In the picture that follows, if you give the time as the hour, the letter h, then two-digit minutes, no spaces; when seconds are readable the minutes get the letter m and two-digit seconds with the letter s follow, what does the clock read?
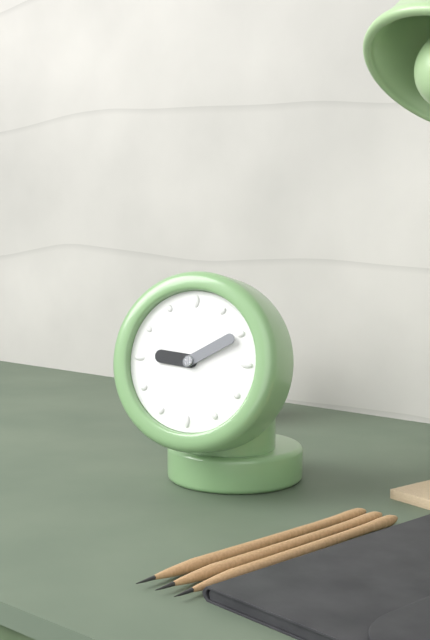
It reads 9h10
